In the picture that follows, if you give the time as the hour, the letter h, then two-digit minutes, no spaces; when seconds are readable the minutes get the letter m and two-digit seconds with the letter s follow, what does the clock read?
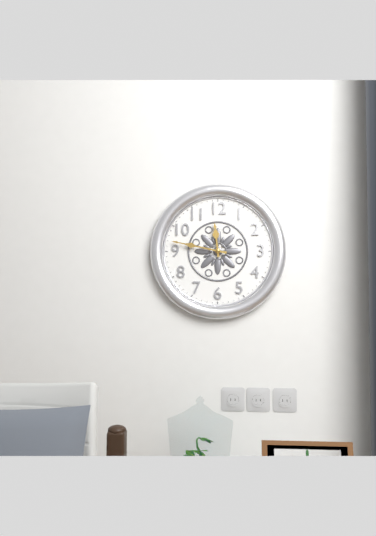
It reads 11h47
